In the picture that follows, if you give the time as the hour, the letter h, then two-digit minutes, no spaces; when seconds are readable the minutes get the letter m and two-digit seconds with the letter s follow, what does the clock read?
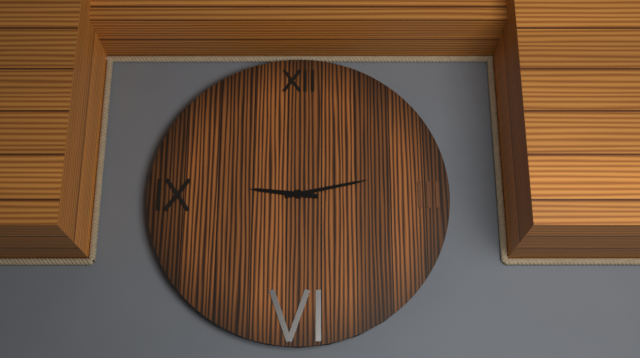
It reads 9h13
